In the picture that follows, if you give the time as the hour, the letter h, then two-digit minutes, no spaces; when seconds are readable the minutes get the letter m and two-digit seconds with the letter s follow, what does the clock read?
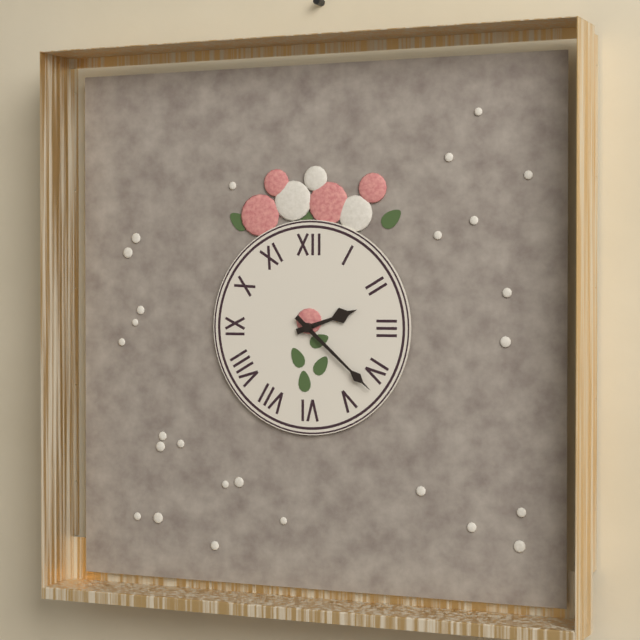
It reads 2h22
